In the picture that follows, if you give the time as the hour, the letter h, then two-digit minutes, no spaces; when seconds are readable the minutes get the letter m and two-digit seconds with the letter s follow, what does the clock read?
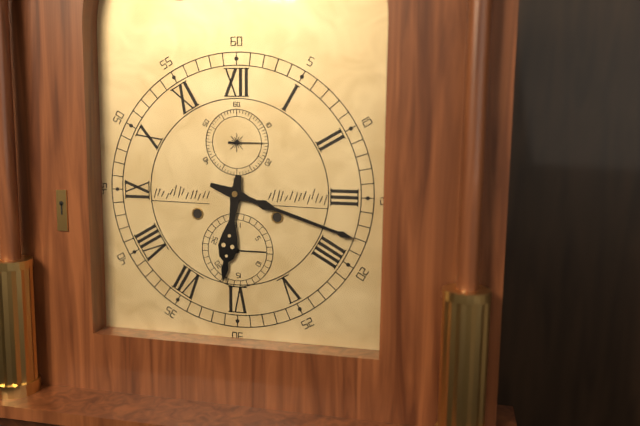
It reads 6h18
